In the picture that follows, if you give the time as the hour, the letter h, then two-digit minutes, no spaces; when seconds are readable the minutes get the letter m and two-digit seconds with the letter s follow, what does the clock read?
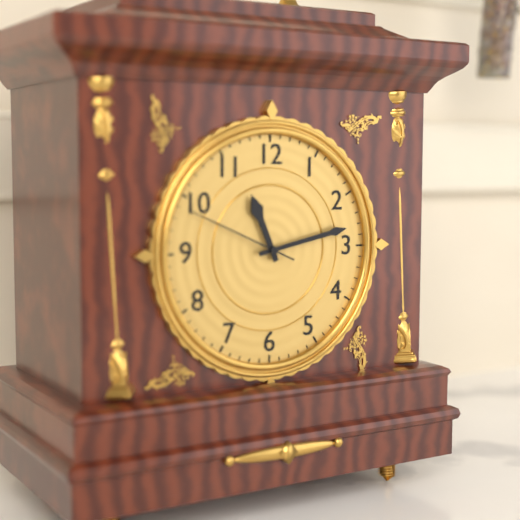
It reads 11h13m49s
